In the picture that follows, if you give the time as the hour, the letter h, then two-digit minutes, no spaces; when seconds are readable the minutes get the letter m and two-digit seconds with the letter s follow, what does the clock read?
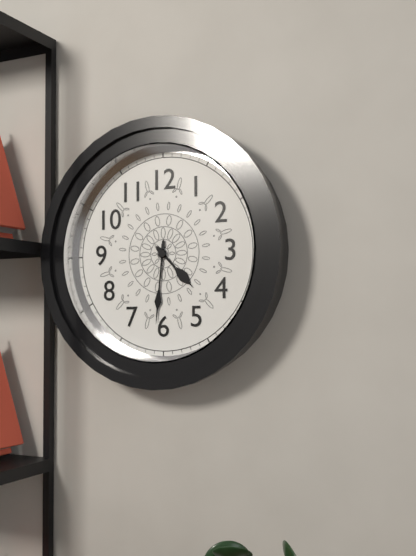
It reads 4h31
